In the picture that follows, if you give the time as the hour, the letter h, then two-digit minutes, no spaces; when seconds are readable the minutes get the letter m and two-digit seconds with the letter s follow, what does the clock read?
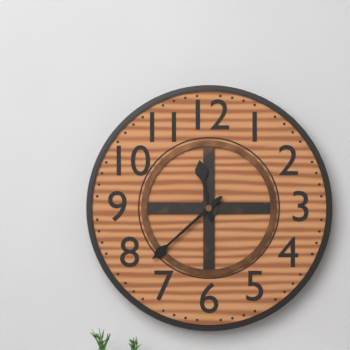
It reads 11h38
